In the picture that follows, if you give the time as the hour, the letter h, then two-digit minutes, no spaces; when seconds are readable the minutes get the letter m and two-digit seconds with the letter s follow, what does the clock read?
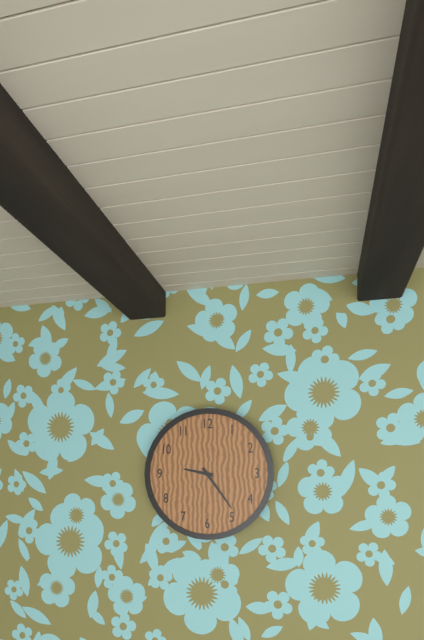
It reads 9h24
